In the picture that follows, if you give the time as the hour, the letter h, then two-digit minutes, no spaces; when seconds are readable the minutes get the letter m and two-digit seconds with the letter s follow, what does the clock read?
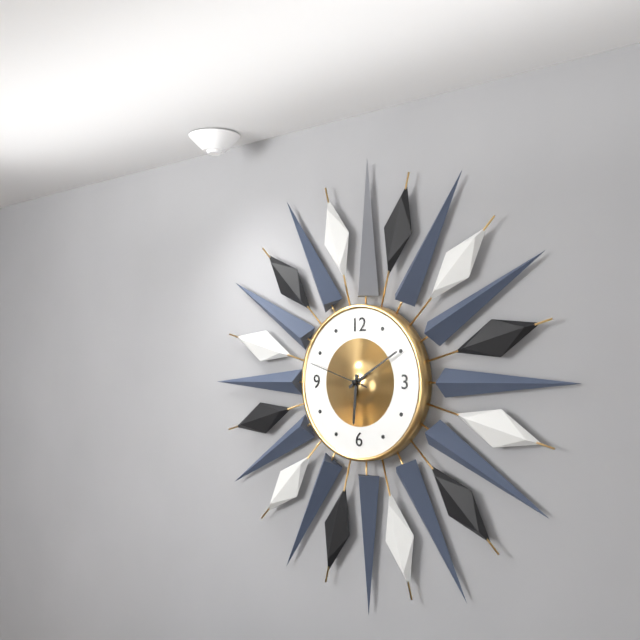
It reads 6h10m48s
